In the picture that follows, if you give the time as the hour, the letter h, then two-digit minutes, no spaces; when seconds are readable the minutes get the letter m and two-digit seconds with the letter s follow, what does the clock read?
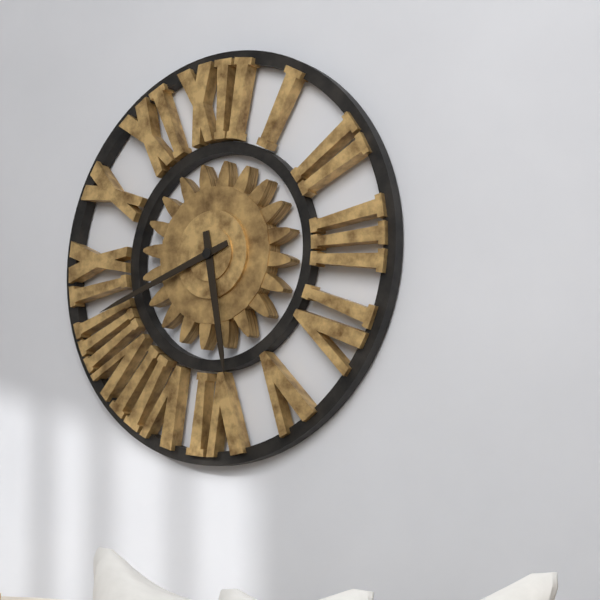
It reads 5h42
